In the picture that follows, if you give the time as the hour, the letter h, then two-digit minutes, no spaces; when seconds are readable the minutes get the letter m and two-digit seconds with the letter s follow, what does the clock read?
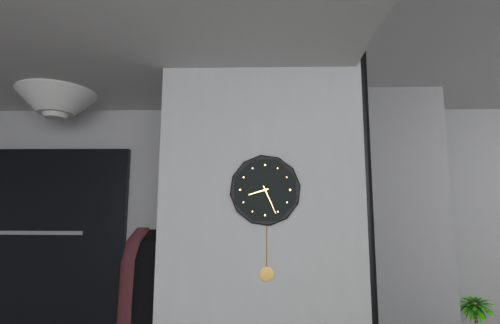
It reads 8h26
